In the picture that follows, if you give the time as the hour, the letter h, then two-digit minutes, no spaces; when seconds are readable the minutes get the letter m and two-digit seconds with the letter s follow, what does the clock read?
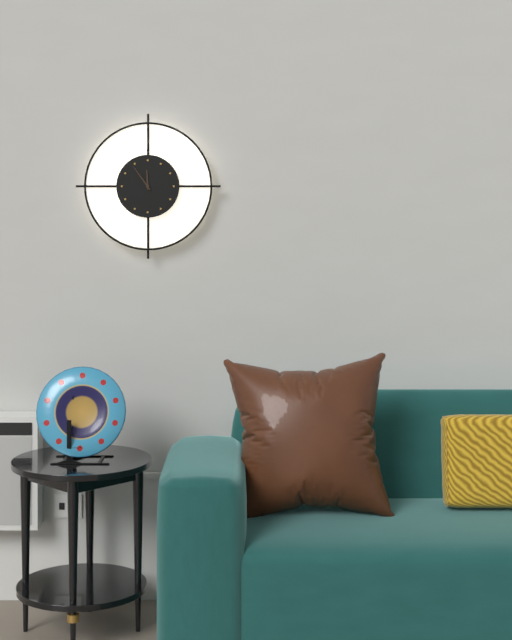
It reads 11h54
